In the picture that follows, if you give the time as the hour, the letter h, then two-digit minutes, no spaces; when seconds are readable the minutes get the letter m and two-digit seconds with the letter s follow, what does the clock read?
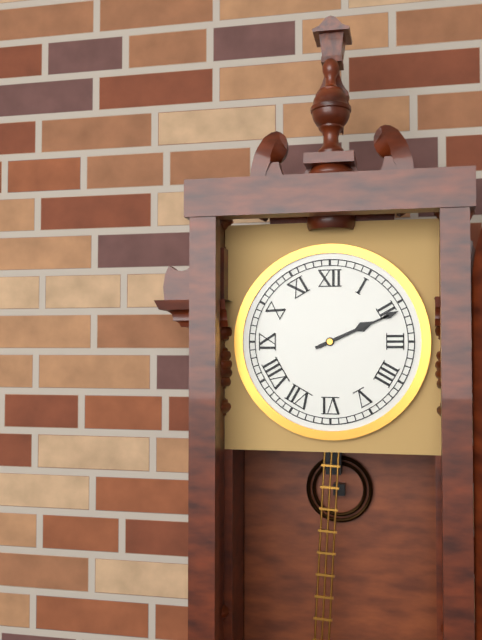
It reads 2h11
